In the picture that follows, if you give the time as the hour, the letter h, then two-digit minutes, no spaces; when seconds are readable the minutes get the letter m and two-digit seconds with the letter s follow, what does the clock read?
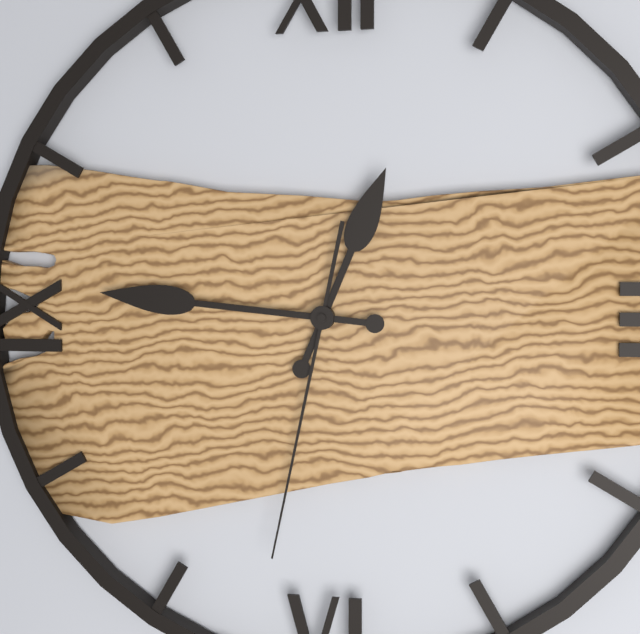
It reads 12h46m32s
